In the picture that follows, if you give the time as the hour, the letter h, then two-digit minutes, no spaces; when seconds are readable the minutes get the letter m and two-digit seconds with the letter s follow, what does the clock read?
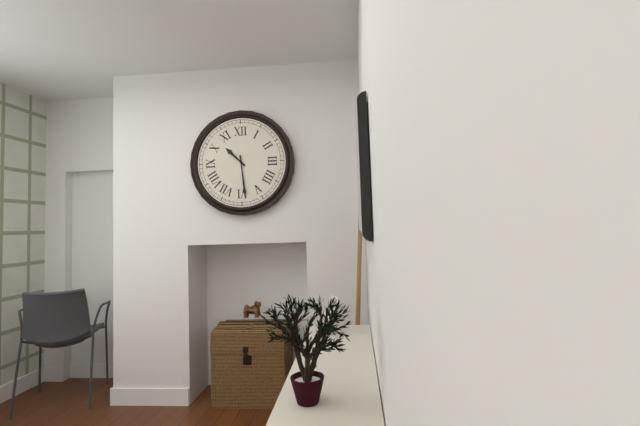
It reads 10h29
